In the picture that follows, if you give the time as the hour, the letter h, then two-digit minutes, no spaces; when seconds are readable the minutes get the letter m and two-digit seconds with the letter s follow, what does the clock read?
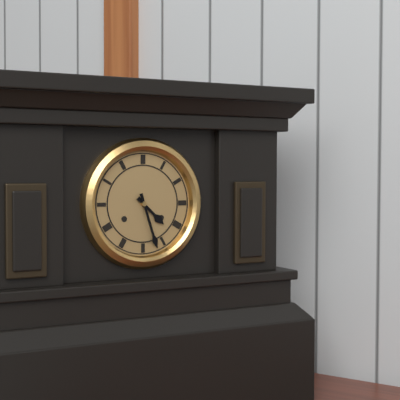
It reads 4h27
